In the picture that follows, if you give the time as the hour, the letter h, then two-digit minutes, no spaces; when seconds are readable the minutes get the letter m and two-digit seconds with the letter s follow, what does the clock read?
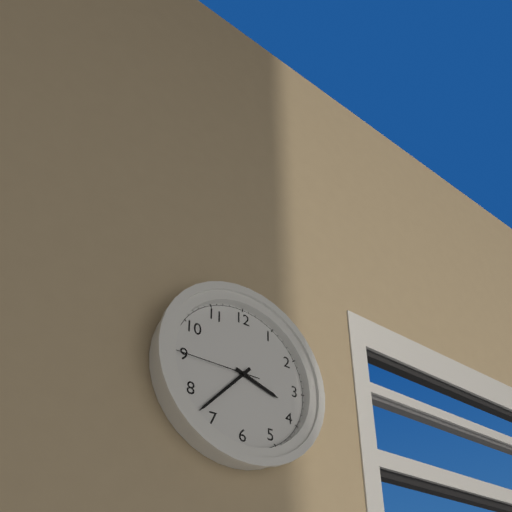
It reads 3h37m45s
